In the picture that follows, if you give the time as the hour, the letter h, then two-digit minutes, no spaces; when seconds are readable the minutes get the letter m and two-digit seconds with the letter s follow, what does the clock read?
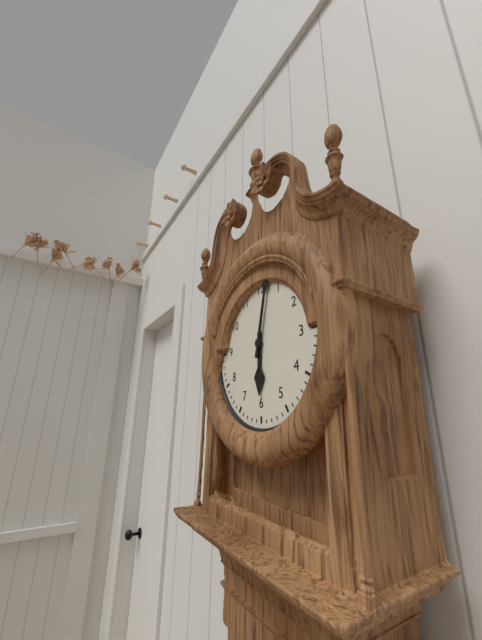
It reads 6h02
